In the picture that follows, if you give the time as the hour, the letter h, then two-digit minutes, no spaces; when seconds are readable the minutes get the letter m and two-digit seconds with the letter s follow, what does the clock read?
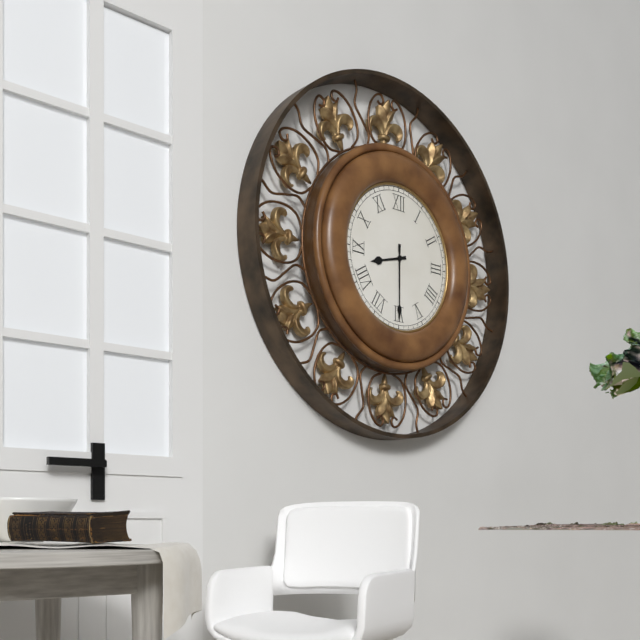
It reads 8h30
